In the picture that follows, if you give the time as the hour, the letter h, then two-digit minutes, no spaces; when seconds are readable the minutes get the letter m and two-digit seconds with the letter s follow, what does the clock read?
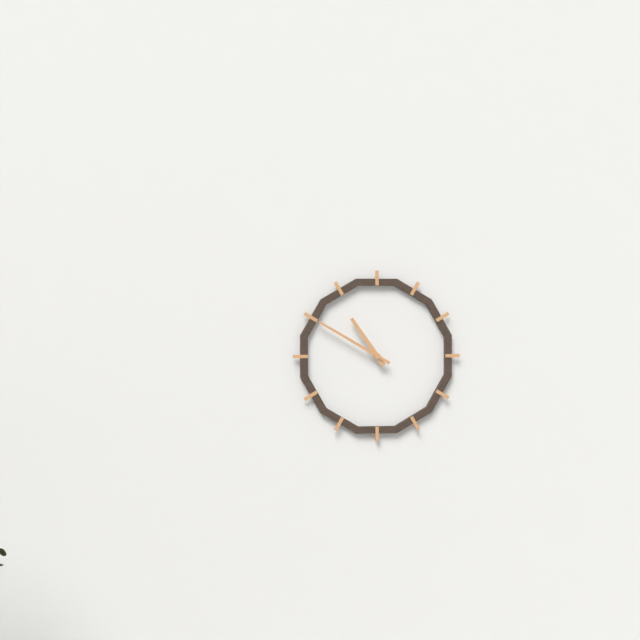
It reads 10h50
